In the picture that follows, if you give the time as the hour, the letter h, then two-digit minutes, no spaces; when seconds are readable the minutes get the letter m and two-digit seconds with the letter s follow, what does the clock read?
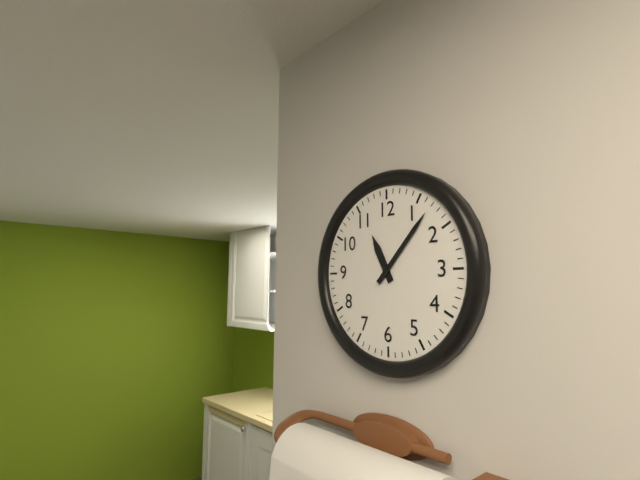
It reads 11h07
